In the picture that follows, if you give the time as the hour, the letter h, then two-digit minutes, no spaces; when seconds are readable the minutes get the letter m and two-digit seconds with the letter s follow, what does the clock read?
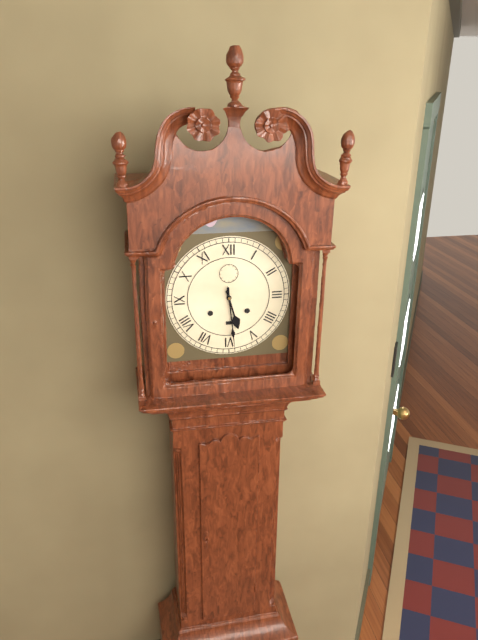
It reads 5h29
